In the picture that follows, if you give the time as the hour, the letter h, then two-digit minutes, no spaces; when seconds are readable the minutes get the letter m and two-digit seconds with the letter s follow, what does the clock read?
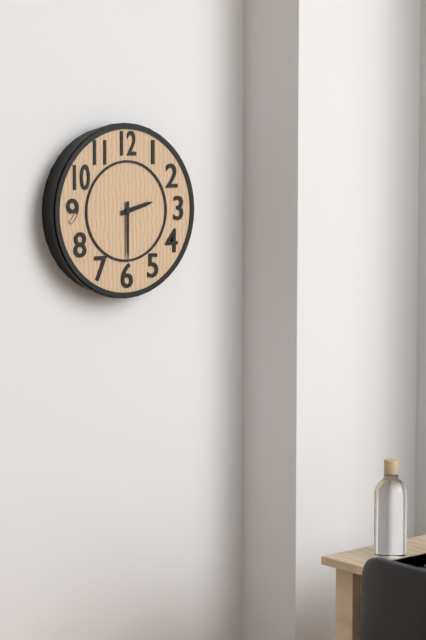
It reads 2h30
